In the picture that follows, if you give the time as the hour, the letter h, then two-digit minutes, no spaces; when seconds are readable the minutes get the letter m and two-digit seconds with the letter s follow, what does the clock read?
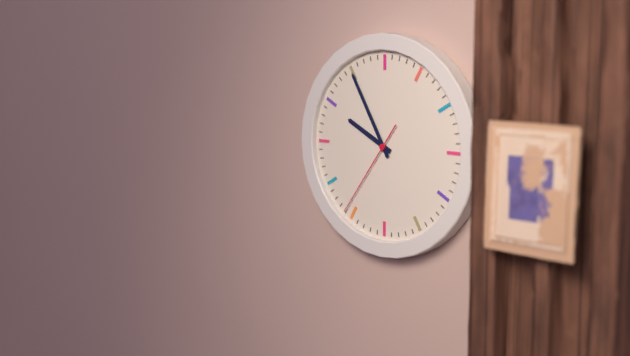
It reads 9h55m36s
